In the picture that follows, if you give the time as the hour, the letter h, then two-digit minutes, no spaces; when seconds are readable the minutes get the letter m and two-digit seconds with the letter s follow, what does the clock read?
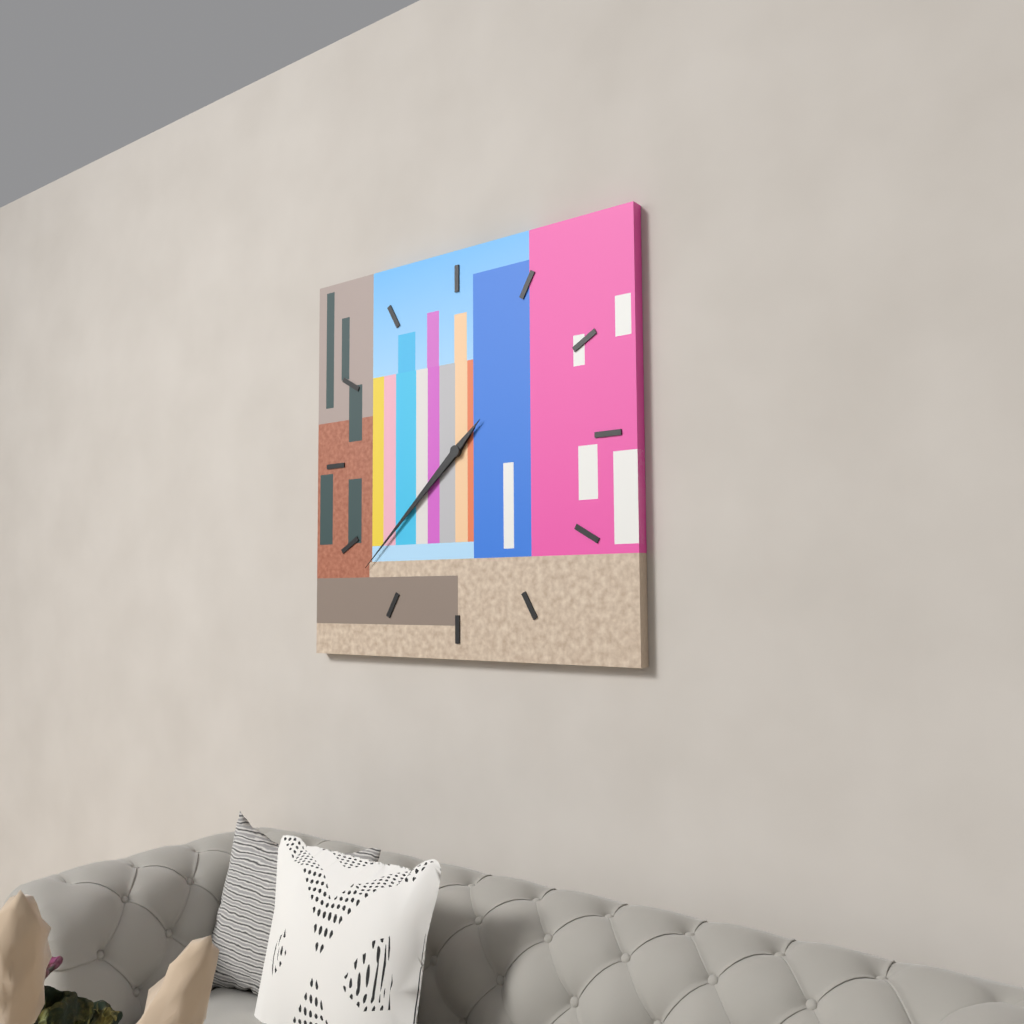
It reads 7h38
